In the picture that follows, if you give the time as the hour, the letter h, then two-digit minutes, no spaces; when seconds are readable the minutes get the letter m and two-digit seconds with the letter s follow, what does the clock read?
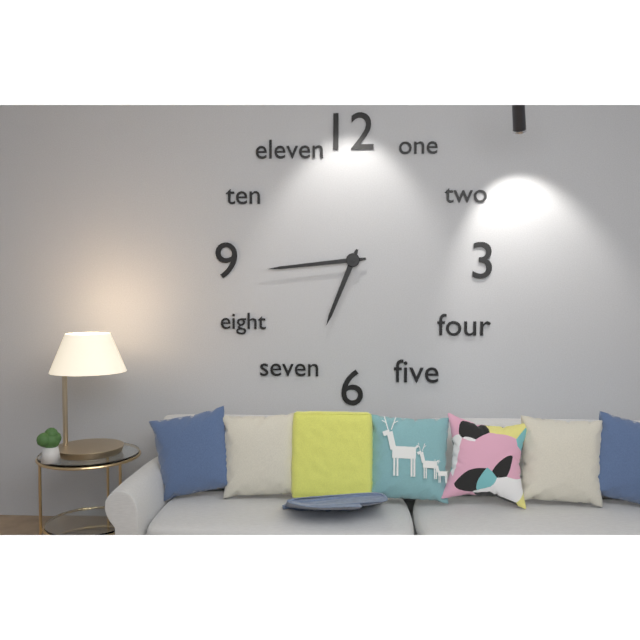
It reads 6h44
